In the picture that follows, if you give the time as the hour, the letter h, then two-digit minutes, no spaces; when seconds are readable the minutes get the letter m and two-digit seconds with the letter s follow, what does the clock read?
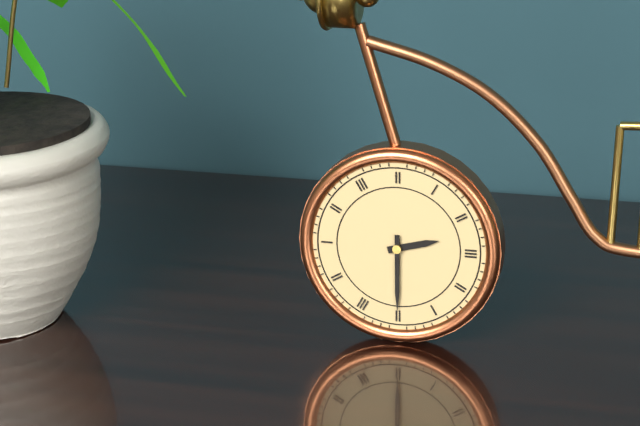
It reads 2h30
